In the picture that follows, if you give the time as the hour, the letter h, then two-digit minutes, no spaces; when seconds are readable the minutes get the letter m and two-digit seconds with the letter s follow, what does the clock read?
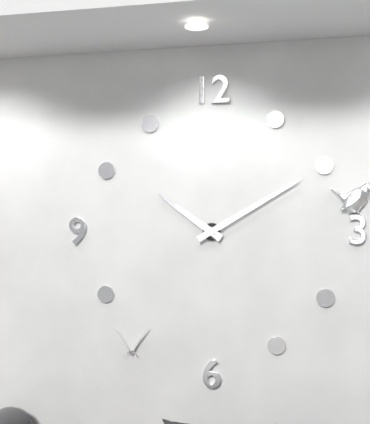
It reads 10h10
